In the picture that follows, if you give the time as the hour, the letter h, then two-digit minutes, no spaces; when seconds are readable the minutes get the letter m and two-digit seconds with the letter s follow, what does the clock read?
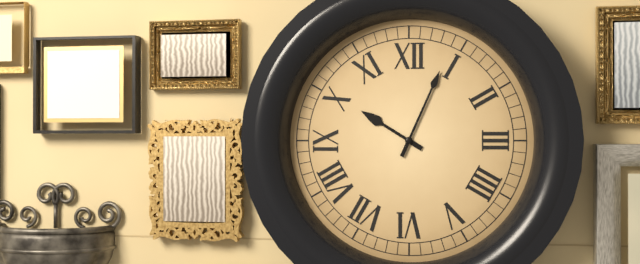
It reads 10h04
